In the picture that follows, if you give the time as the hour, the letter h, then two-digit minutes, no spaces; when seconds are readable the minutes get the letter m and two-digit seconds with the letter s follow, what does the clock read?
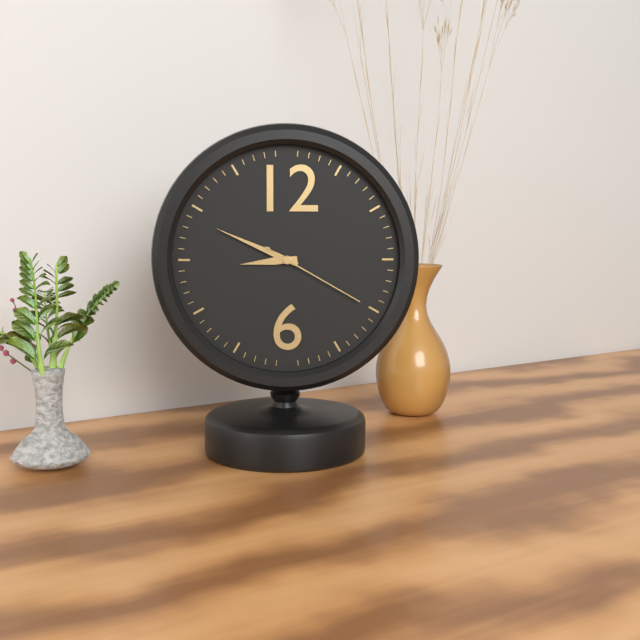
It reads 8h49m20s
